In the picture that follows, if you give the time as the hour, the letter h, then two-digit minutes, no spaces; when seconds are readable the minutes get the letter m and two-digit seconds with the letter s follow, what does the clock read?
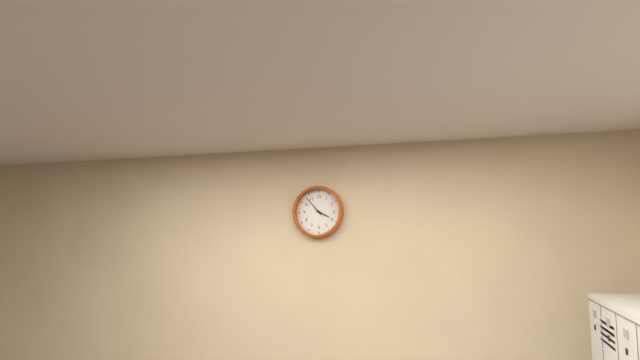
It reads 3h53
